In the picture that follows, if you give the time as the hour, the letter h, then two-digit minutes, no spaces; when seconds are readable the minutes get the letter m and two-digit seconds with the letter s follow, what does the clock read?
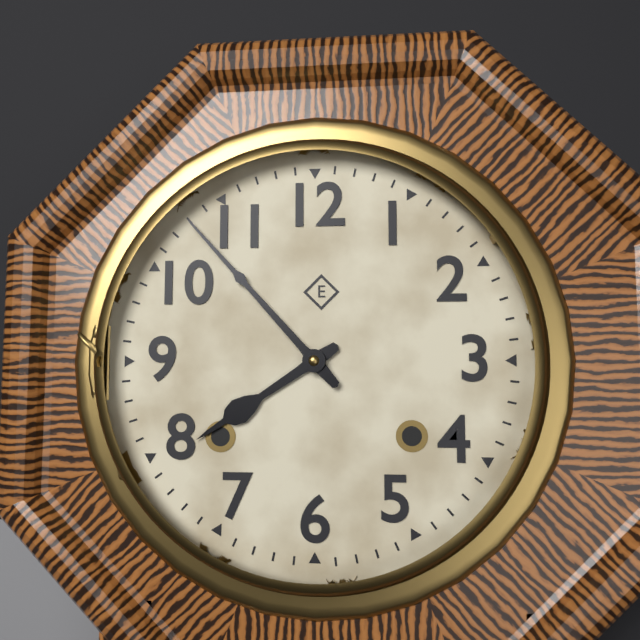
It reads 7h53
